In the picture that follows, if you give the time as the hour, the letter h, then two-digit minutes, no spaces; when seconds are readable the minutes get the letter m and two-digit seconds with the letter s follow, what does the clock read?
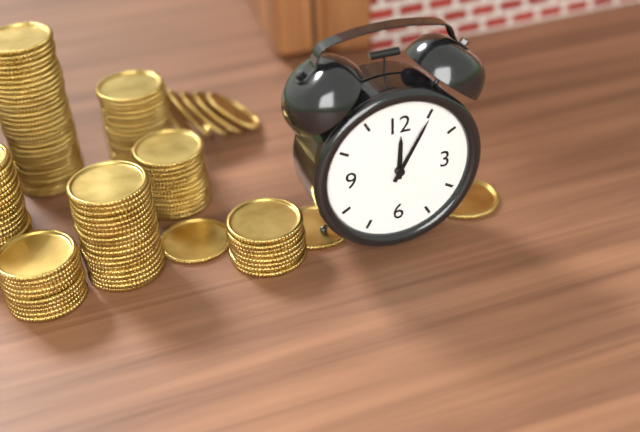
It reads 12h05
